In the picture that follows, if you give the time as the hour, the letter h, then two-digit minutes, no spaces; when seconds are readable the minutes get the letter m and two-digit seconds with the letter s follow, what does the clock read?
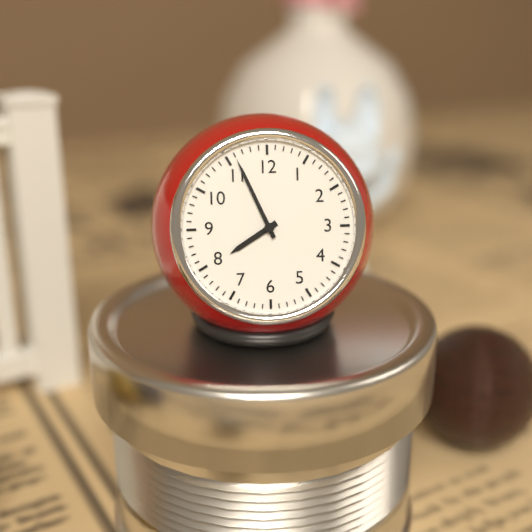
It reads 7h56
